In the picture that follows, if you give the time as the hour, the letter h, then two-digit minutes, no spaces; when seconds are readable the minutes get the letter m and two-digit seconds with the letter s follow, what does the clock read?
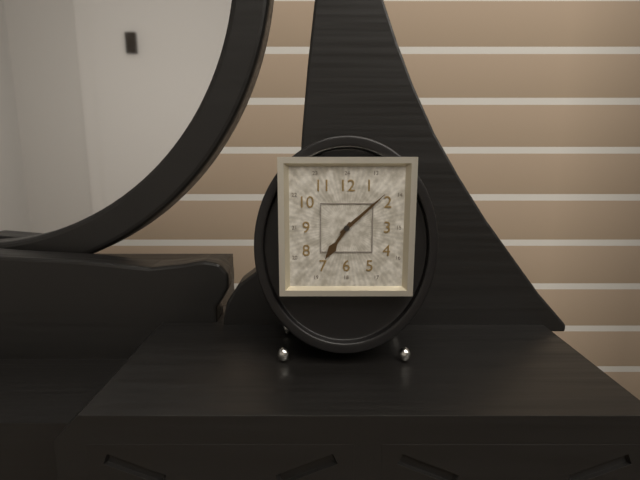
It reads 7h08
